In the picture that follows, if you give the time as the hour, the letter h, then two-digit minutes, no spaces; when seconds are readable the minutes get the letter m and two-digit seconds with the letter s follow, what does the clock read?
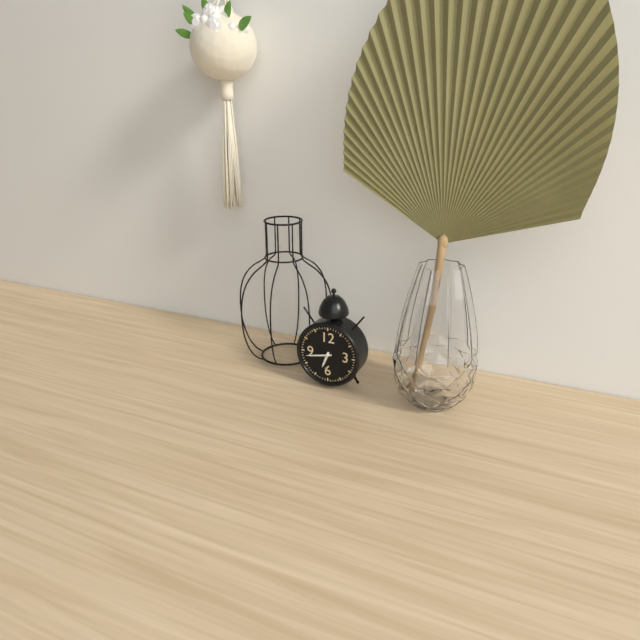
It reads 6h43
